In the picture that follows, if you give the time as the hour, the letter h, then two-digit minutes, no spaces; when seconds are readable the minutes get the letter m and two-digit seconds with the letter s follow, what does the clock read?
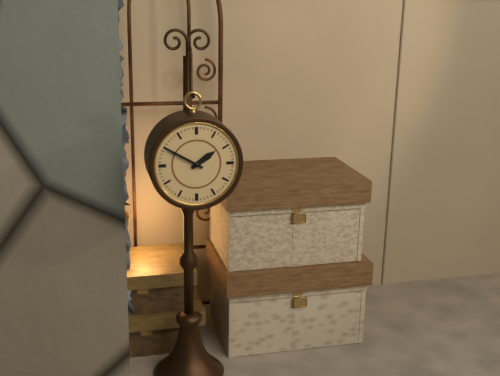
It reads 1h50
